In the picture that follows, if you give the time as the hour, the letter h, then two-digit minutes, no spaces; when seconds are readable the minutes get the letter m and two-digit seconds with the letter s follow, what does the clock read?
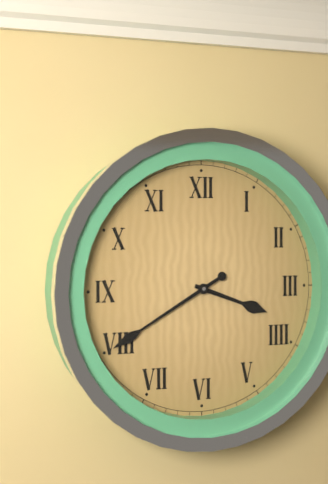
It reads 3h40
